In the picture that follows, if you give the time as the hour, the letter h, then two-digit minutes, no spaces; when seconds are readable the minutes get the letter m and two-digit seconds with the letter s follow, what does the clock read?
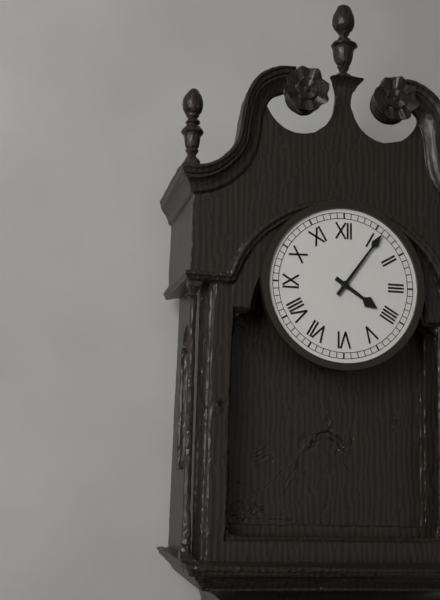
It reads 4h06
